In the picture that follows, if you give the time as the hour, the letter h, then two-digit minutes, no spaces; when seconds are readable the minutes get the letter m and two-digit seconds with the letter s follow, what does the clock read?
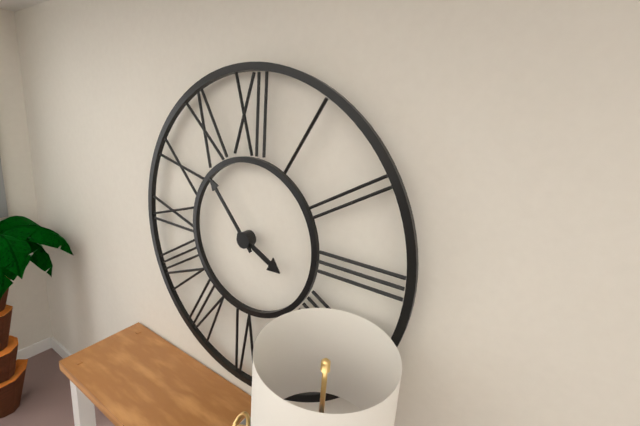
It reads 3h53
